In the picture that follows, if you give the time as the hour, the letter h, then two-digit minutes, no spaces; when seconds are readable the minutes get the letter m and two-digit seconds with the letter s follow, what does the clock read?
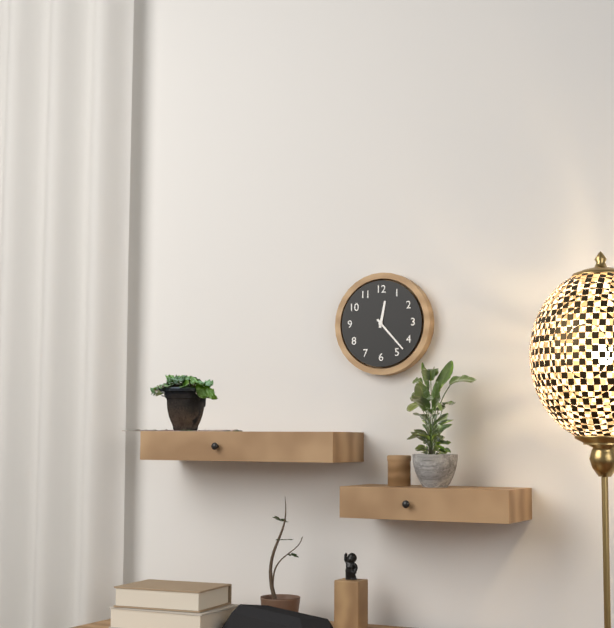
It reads 12h23
